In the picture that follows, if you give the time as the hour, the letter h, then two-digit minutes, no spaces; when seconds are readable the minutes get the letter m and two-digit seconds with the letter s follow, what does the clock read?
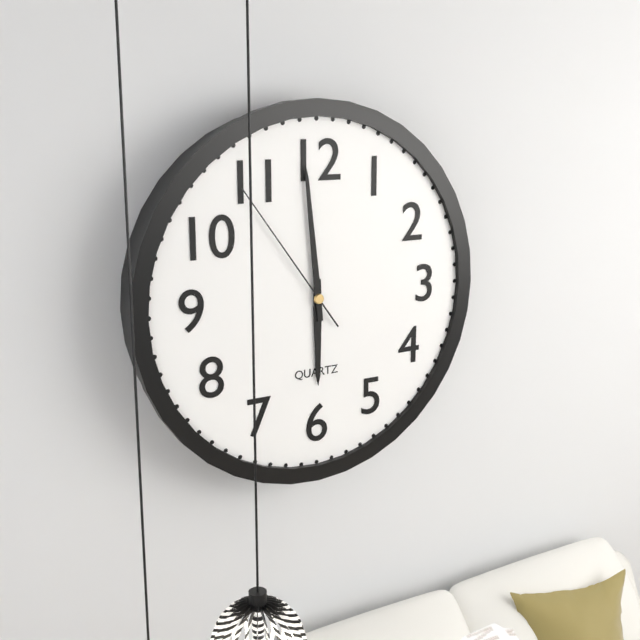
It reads 5h59m54s
